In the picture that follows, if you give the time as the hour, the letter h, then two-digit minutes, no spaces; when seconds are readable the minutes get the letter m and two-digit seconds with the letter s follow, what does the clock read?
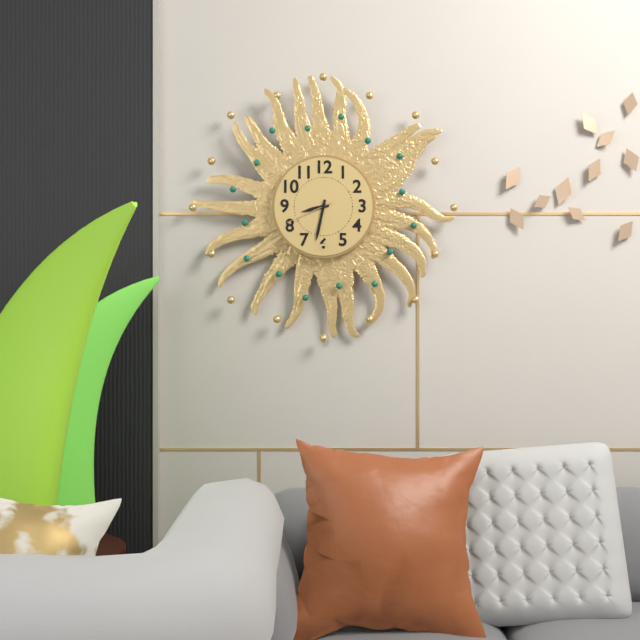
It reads 8h32m41s
